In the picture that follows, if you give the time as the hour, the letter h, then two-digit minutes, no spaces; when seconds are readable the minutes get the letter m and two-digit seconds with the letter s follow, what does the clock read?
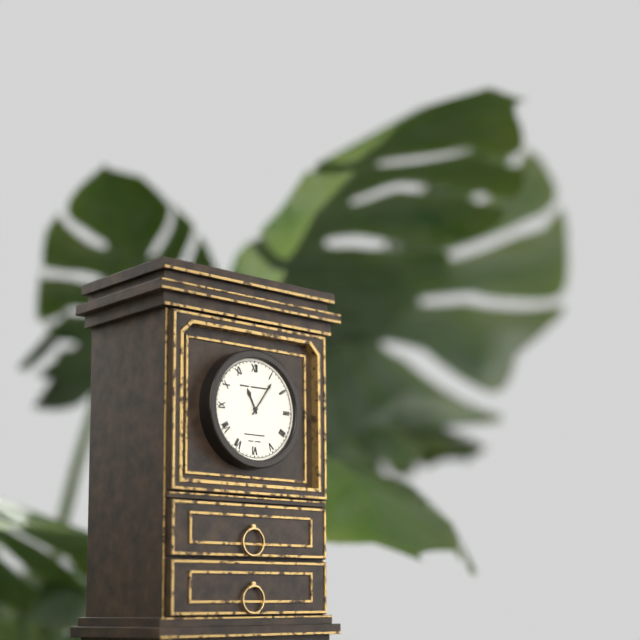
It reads 11h06
